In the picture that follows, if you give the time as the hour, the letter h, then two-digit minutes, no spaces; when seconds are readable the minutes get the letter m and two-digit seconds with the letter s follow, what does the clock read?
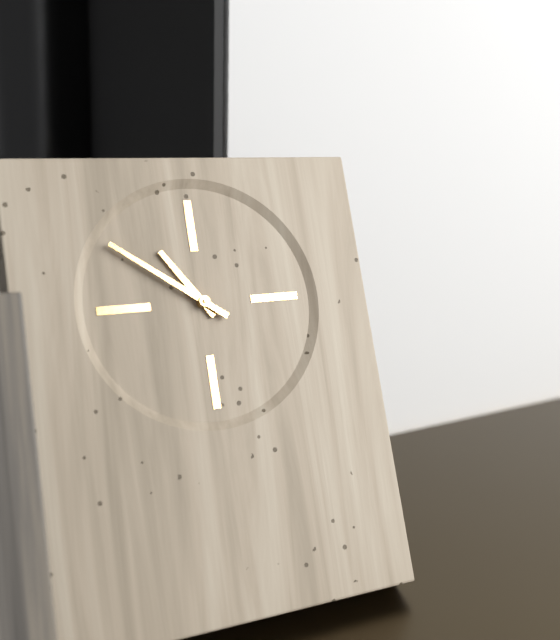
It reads 10h51
